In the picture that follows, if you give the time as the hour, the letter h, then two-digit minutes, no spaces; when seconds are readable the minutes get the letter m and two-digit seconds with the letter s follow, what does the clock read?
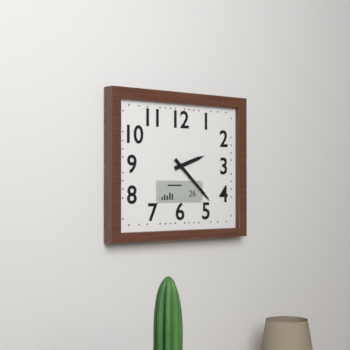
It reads 2h22
